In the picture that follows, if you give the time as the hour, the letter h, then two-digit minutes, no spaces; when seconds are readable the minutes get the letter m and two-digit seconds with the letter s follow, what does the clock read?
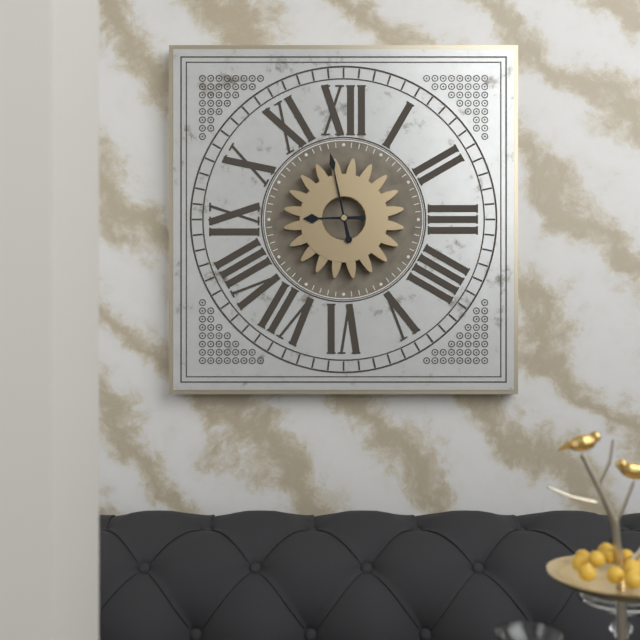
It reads 8h58
